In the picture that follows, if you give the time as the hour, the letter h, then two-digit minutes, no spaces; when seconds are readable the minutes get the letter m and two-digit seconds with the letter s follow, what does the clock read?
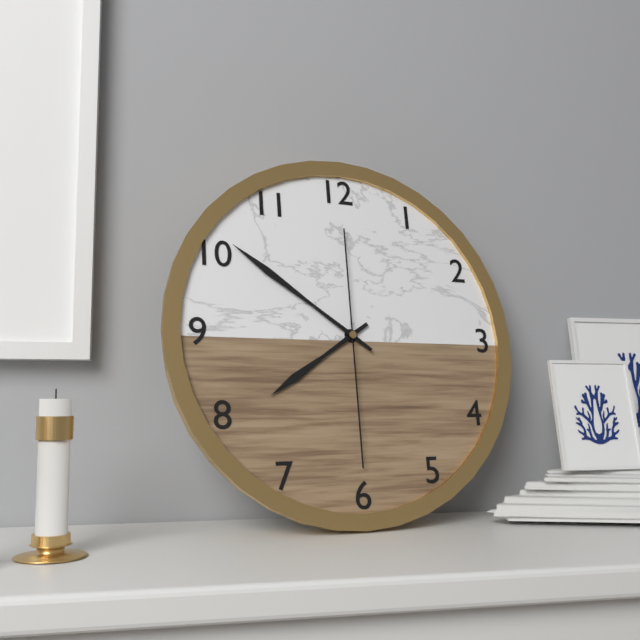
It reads 7h51m30s
